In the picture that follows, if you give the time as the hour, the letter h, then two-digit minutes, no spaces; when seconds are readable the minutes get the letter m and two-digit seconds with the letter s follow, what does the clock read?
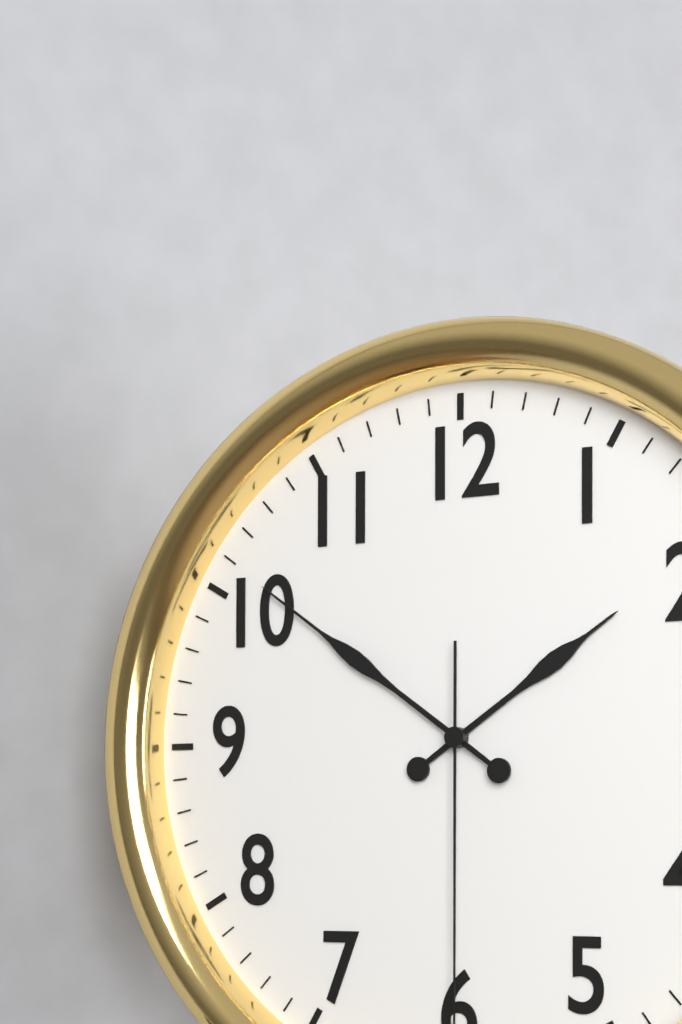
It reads 1h51
